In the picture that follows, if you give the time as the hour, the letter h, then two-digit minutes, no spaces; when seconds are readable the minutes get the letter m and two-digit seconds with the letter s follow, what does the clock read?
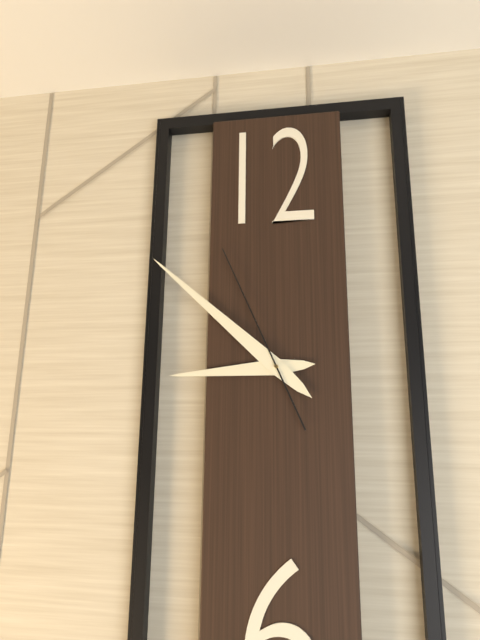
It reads 8h52m56s
